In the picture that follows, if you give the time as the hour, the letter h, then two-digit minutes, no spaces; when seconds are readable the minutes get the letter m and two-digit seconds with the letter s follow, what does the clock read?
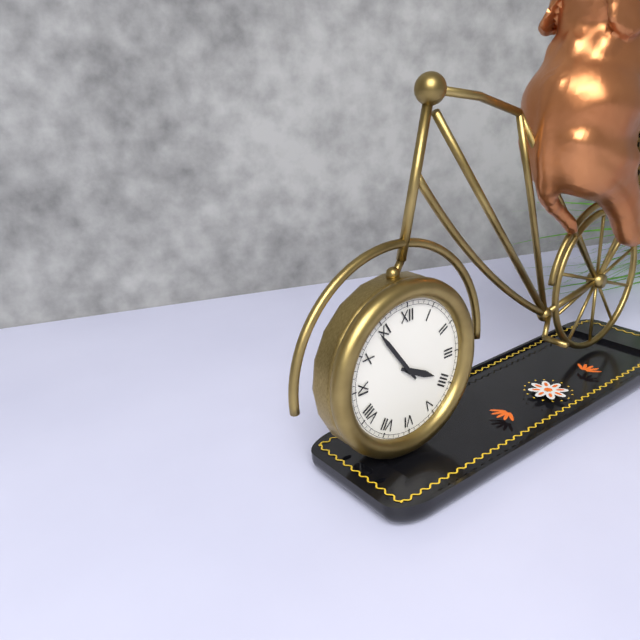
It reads 3h54
